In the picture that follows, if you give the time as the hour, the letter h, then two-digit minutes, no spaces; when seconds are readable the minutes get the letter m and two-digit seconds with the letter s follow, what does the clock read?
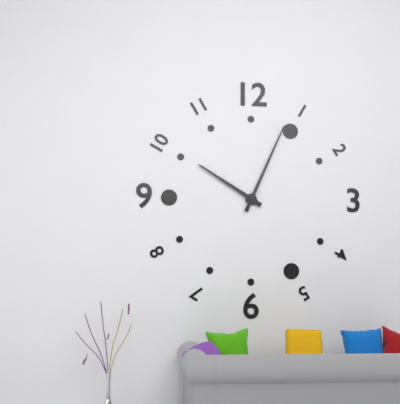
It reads 10h04
